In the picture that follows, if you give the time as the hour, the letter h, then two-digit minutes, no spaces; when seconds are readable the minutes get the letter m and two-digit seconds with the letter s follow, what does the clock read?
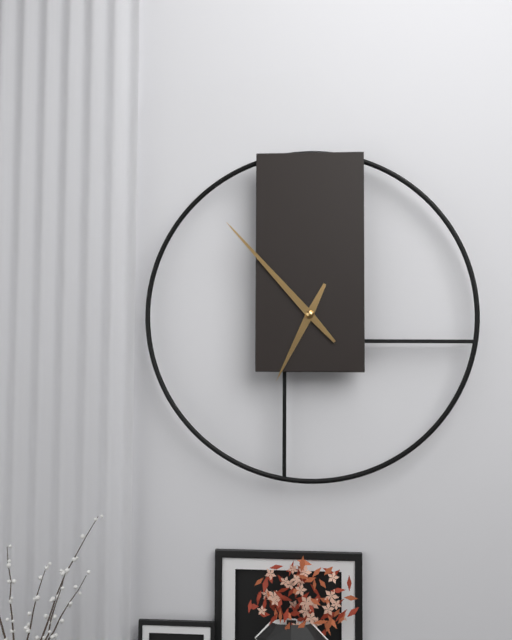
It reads 6h53
